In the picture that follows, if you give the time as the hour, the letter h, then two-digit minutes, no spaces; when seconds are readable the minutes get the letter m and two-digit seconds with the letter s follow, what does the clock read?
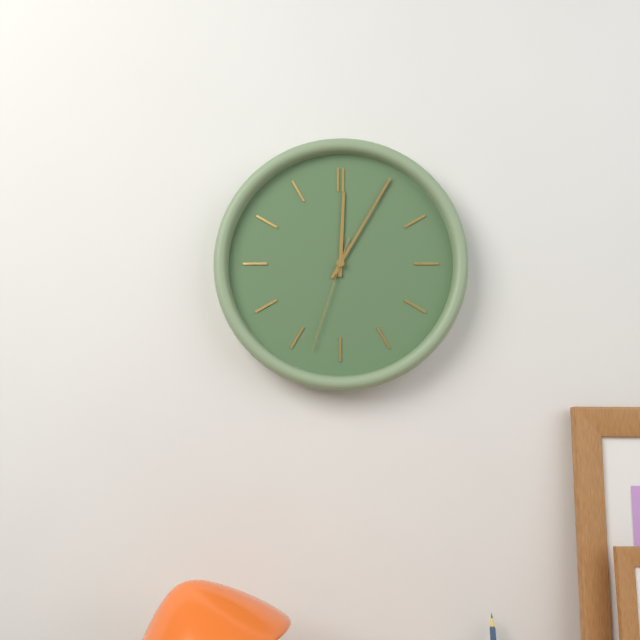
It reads 12h05m33s
